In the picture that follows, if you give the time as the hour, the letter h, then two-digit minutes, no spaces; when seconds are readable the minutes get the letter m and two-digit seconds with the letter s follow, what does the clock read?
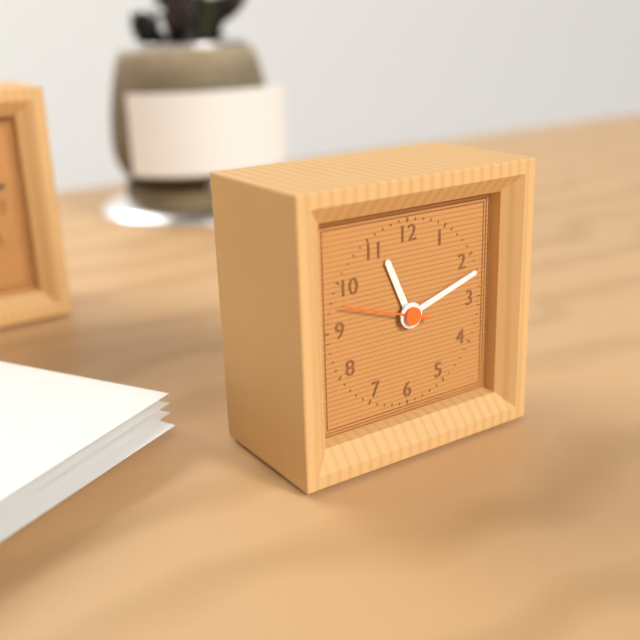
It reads 11h12m48s
